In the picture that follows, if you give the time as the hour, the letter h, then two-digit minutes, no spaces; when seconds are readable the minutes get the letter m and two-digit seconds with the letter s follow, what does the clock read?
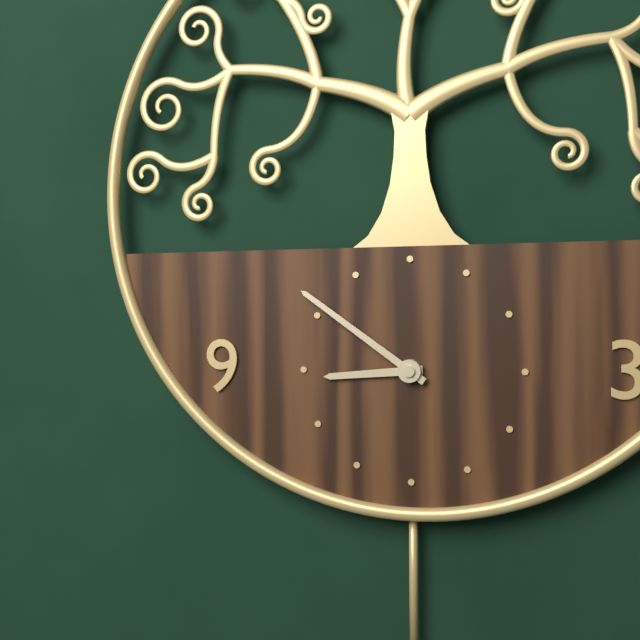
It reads 8h51
